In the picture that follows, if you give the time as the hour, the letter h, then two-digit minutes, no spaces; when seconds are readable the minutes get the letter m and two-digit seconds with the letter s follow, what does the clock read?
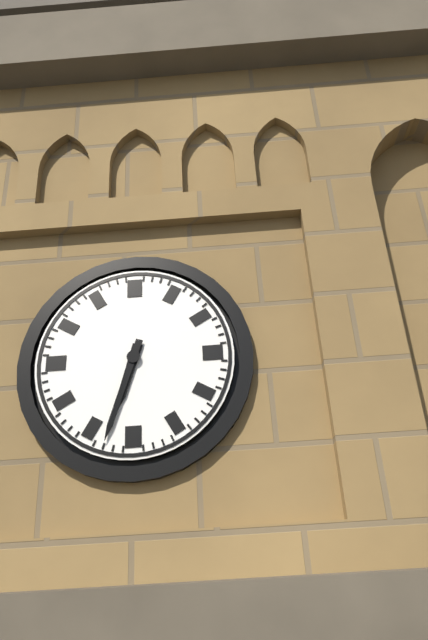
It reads 6h33
